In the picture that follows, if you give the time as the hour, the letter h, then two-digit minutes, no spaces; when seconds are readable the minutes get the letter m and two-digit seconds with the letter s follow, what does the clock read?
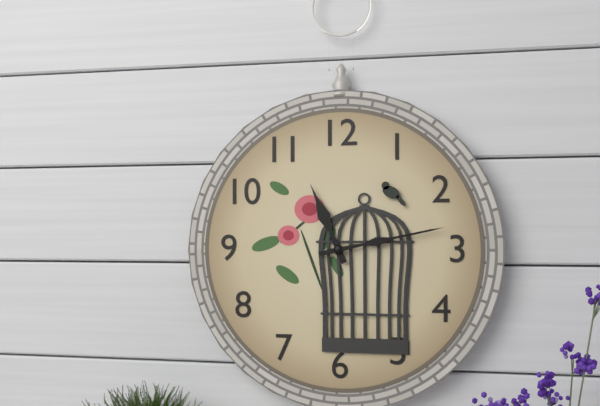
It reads 11h13
